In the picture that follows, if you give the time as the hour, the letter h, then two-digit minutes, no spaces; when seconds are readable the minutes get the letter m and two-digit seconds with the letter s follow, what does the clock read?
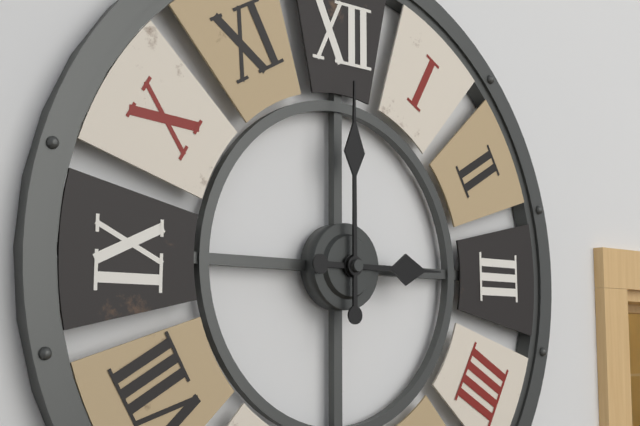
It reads 3h00
